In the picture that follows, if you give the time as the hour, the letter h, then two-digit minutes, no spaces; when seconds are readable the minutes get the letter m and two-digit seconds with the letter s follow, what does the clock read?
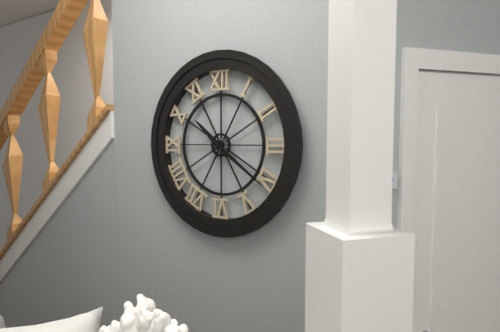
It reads 10h21
